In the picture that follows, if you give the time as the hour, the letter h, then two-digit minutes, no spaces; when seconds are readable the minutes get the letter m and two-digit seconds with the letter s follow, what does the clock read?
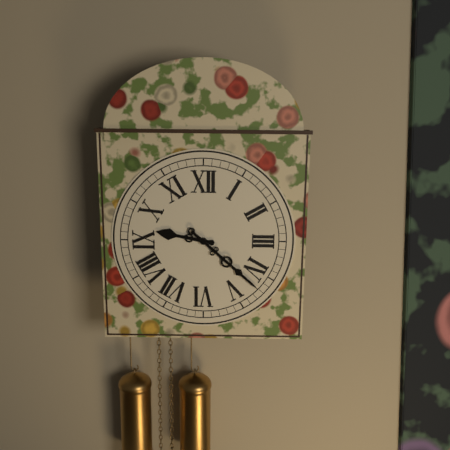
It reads 9h22
